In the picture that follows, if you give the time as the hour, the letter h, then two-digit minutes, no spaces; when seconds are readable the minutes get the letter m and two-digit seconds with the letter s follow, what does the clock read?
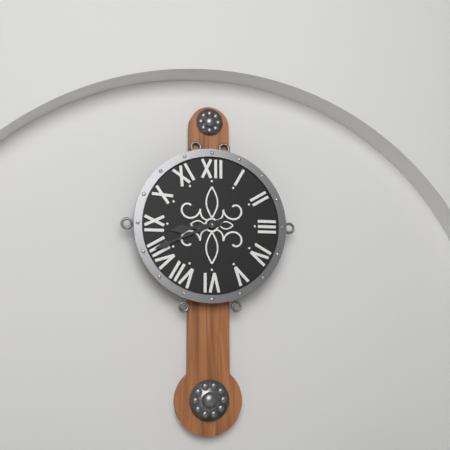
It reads 8h41
